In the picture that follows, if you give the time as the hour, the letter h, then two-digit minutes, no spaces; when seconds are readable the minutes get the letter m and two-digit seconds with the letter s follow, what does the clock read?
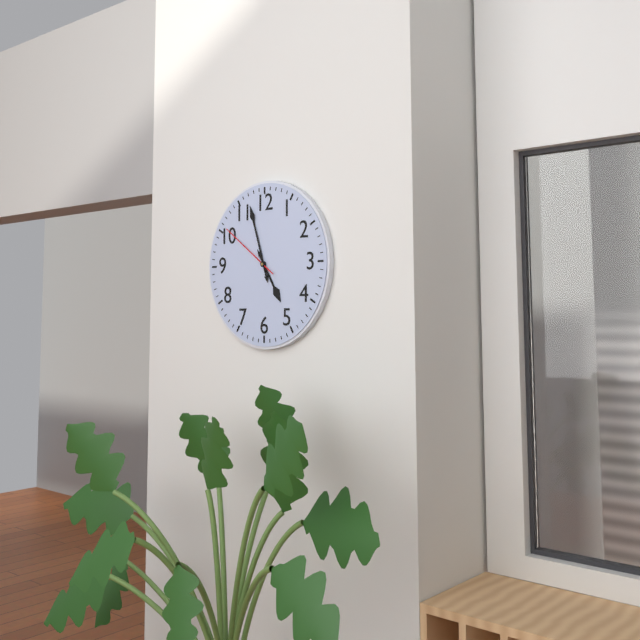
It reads 4h57m51s
